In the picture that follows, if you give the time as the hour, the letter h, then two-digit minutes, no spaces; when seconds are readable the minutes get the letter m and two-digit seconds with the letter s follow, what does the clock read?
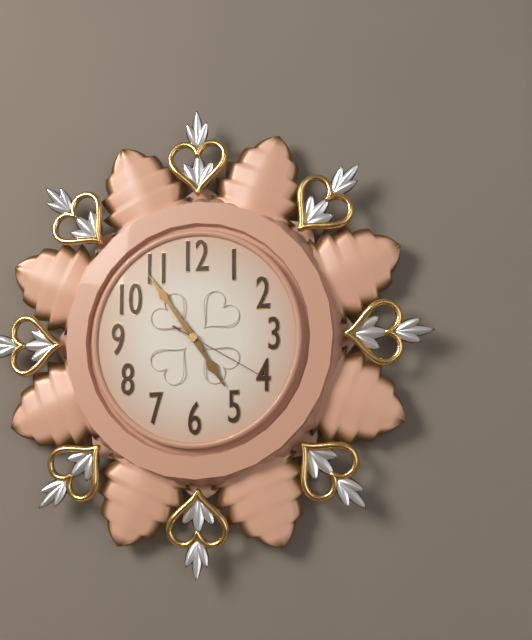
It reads 4h54m20s
